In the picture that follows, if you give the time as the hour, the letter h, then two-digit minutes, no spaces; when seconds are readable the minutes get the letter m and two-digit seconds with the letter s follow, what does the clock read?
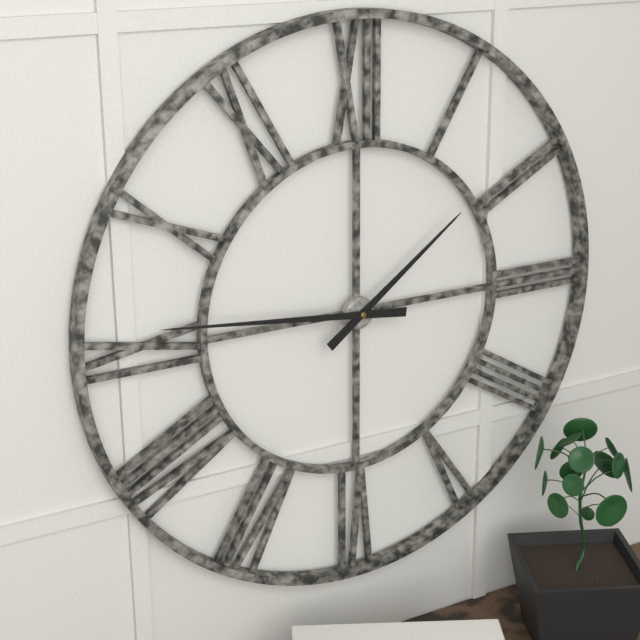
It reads 1h46
